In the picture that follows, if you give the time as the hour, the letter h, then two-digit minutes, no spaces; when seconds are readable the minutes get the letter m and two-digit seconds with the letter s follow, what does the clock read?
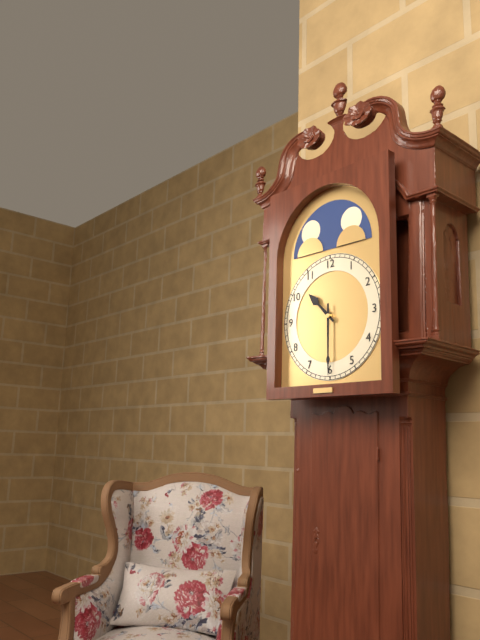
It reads 10h30
